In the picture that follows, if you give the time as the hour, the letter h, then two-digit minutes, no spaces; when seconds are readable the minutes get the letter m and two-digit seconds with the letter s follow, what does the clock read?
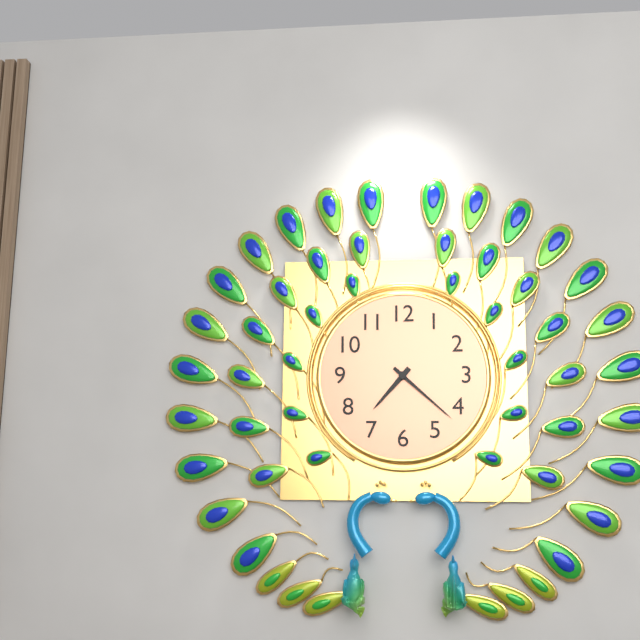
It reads 7h22
